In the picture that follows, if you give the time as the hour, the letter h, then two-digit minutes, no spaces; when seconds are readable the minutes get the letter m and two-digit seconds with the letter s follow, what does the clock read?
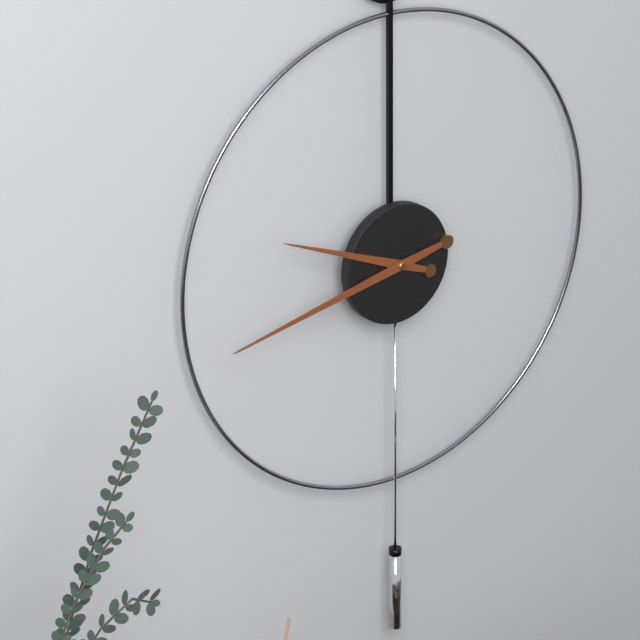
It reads 9h43
